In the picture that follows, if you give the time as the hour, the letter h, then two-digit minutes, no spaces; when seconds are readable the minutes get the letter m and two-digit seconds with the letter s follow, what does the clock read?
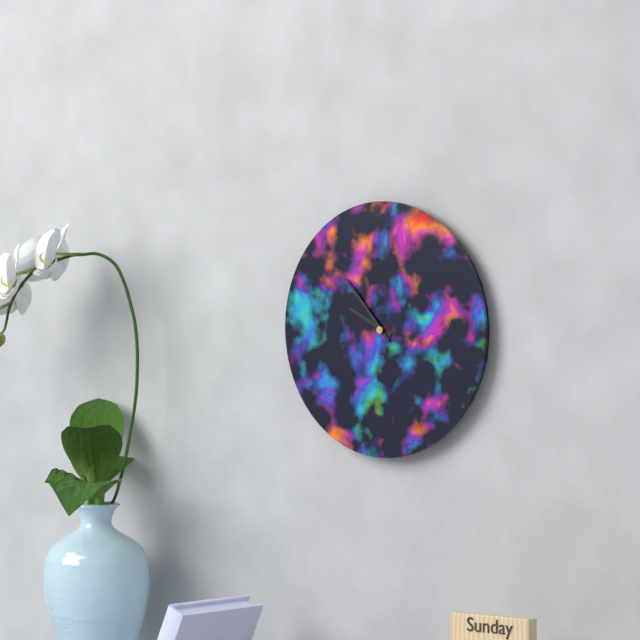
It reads 9h53
